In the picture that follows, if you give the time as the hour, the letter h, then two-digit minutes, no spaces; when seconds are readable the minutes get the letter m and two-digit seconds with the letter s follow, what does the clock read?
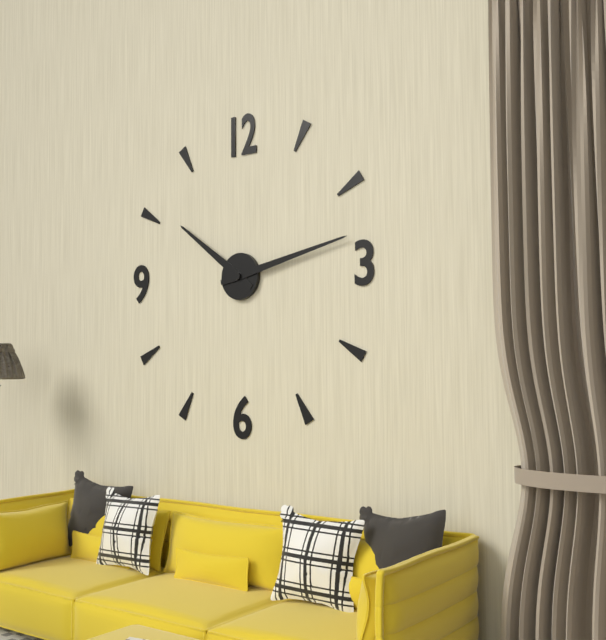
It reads 10h13
